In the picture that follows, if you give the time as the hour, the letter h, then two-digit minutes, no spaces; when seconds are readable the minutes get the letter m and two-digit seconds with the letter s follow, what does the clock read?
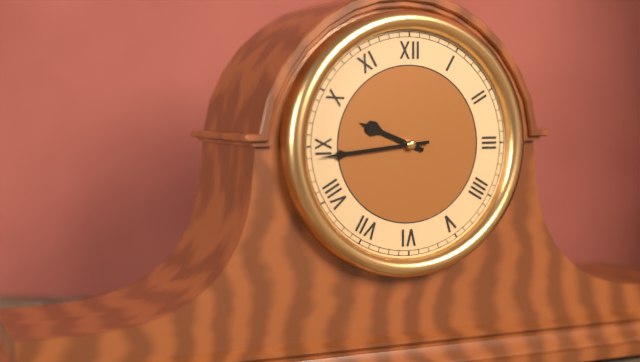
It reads 9h44
